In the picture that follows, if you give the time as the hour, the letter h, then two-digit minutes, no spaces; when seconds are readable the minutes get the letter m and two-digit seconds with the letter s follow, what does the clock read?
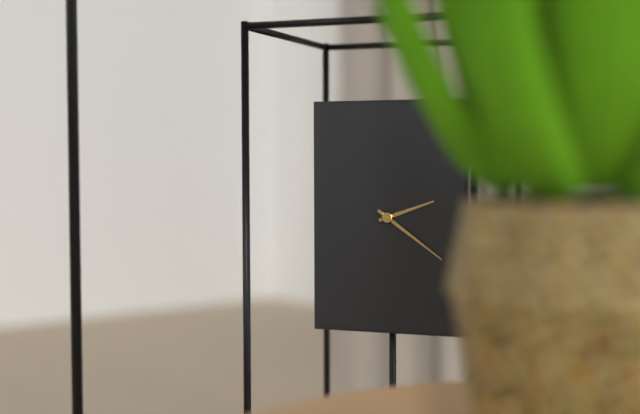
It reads 2h21
